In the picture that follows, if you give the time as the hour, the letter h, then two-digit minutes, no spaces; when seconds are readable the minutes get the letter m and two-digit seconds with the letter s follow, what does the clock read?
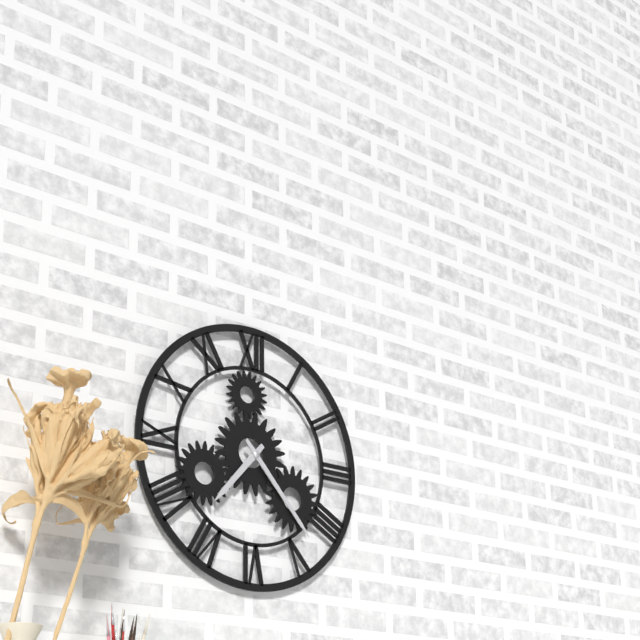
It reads 7h23
